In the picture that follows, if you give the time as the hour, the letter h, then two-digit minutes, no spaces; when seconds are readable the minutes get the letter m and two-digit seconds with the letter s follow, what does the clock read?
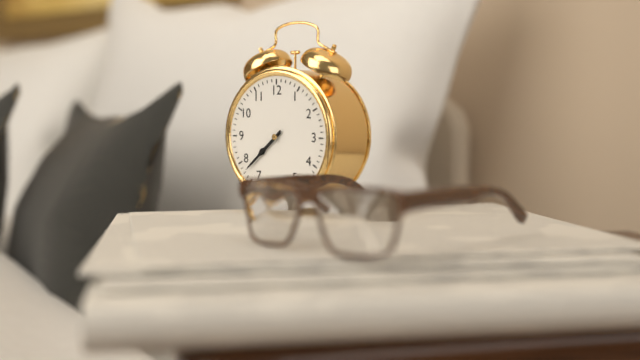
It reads 7h38
